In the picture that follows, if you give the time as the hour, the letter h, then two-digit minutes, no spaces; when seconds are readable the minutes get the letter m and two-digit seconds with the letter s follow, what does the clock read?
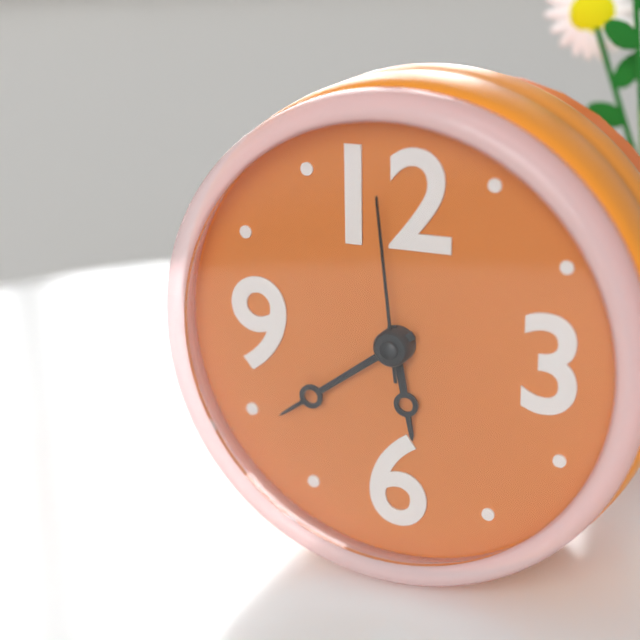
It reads 5h39m59s
